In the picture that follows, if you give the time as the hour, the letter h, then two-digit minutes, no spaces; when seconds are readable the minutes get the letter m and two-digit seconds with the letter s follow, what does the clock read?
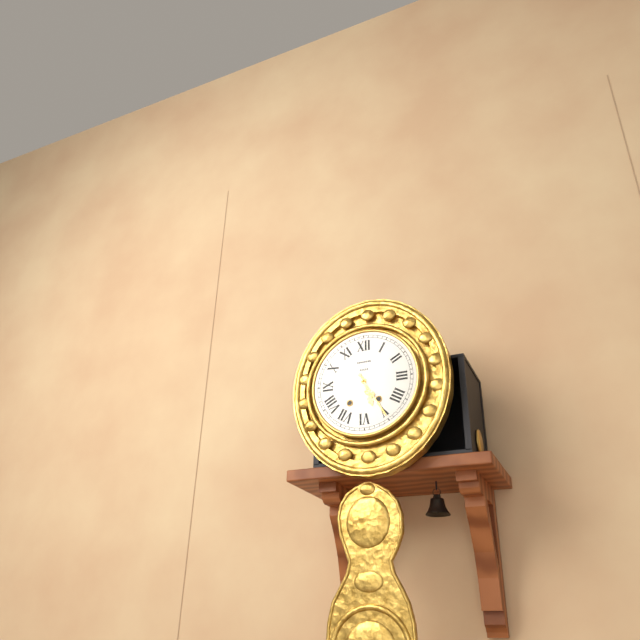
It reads 5h25
